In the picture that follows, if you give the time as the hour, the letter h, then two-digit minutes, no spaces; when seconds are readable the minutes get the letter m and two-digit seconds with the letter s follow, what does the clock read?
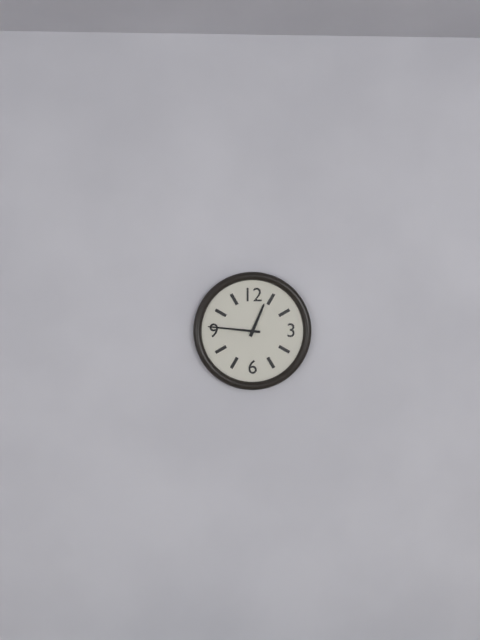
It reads 12h46
